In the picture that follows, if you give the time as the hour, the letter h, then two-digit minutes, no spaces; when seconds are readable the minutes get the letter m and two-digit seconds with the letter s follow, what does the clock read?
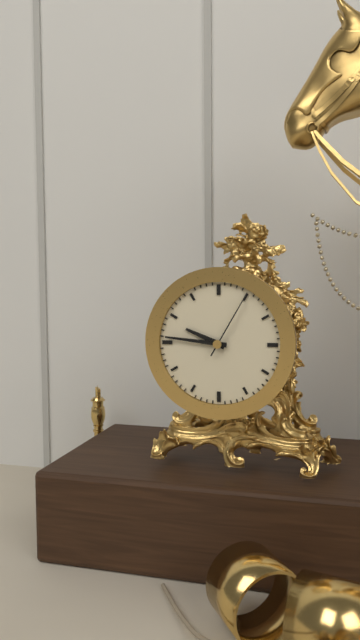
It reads 9h46m05s
